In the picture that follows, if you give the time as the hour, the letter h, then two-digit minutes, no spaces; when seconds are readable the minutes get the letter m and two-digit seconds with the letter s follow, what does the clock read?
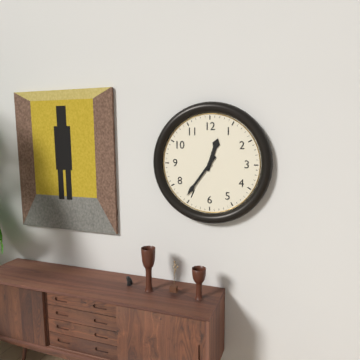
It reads 12h36
